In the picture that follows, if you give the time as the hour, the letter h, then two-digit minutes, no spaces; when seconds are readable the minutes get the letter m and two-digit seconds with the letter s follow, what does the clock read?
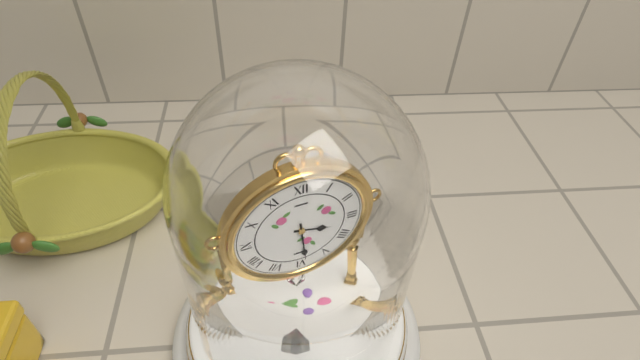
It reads 3h29
